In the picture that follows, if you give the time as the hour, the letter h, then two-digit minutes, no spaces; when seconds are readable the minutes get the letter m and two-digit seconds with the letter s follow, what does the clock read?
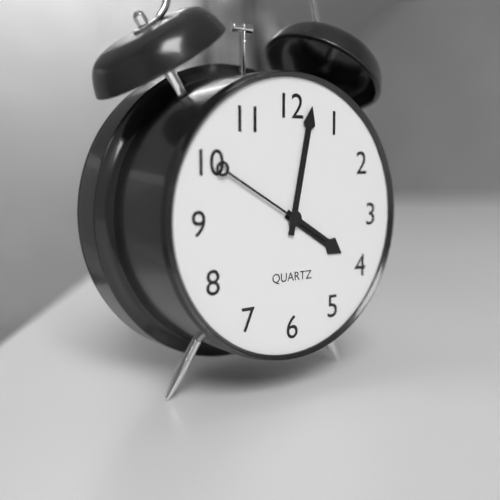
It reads 4h02m50s
